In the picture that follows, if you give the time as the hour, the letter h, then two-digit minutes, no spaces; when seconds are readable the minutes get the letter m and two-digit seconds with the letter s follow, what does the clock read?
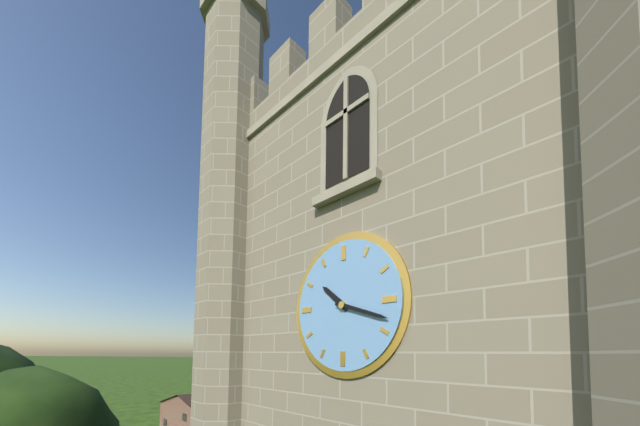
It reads 10h18
